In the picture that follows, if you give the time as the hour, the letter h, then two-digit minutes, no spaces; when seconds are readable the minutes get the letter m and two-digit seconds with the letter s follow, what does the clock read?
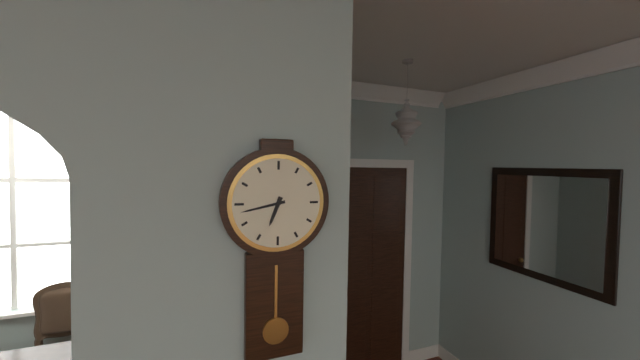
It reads 6h43
